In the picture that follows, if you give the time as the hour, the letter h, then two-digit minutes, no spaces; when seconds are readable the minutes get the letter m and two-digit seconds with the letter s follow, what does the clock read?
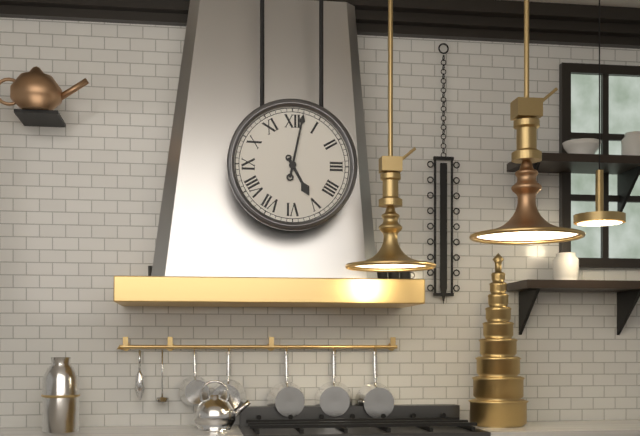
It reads 5h02
